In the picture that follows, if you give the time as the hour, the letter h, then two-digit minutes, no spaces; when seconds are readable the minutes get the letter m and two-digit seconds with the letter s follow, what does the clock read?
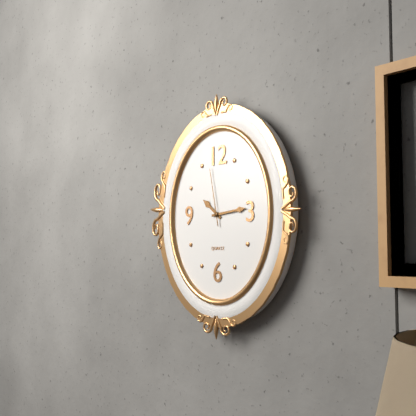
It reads 10h14m58s
